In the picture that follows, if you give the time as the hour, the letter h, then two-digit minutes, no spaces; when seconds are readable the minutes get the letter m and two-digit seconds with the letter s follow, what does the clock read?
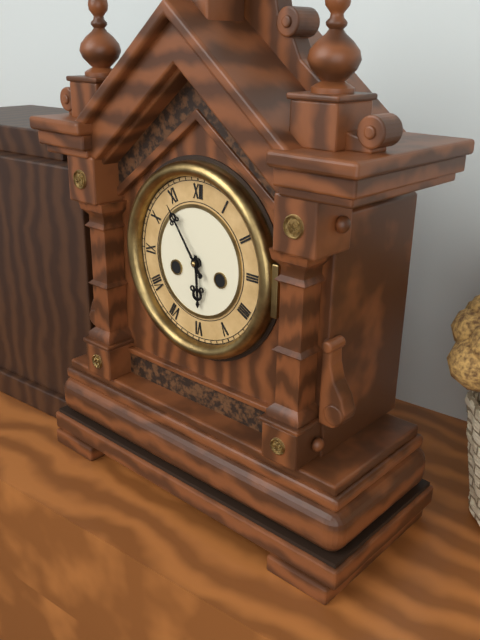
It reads 5h54
